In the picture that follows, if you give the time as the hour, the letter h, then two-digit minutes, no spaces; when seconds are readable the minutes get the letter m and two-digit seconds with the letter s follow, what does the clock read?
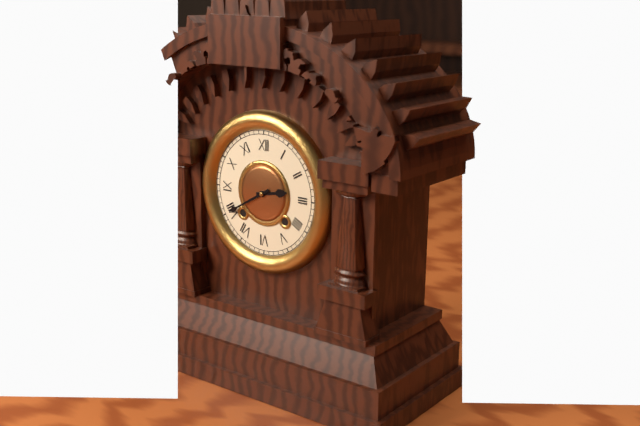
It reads 2h40
